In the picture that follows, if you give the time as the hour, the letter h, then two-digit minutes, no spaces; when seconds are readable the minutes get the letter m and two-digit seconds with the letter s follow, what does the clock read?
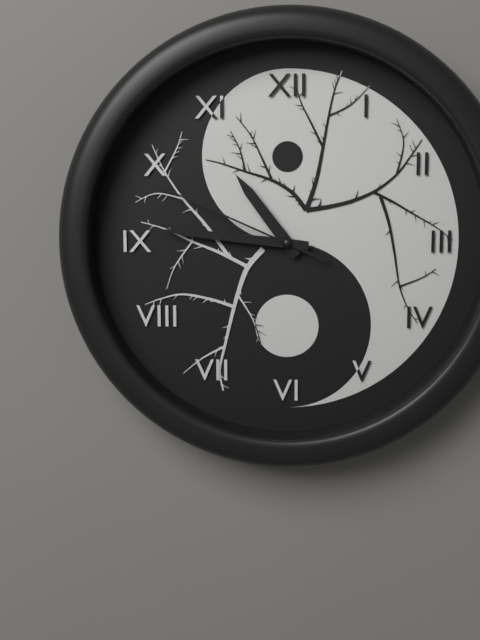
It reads 10h46m49s
